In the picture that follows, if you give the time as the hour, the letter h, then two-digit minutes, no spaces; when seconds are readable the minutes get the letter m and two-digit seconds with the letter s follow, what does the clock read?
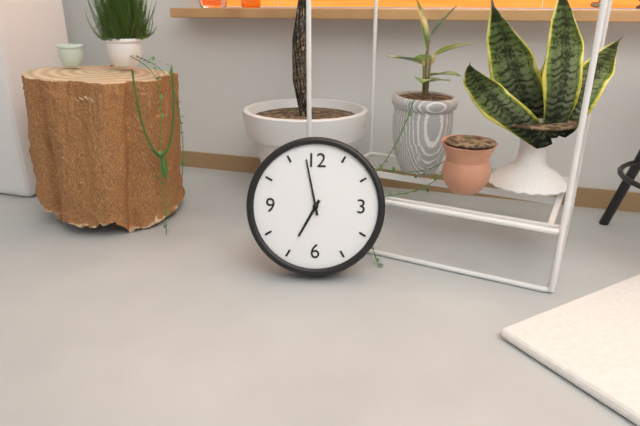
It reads 6h58
